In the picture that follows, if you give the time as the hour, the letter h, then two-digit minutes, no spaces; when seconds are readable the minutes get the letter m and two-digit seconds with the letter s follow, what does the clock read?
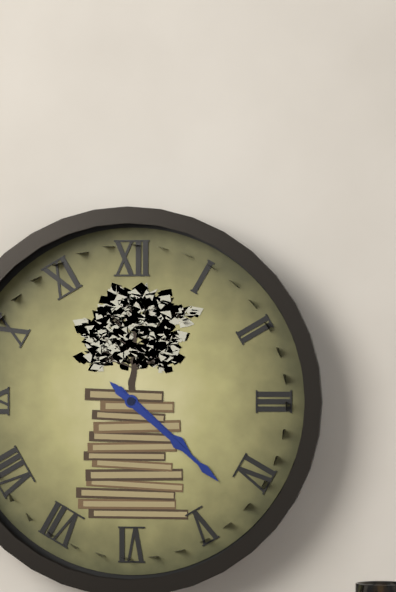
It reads 4h22
